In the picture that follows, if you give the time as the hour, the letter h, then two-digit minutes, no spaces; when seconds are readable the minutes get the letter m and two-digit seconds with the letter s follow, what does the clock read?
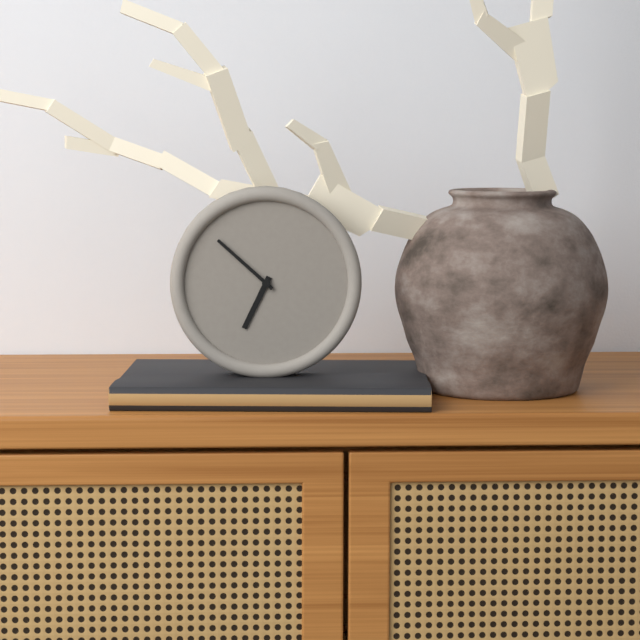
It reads 6h52
